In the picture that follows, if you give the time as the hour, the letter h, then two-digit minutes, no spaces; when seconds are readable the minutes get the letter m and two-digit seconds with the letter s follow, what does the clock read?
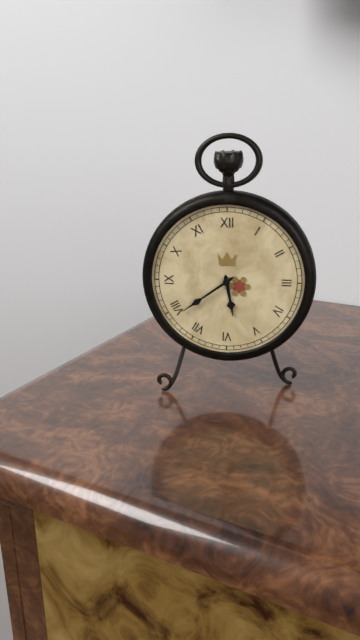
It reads 5h39
